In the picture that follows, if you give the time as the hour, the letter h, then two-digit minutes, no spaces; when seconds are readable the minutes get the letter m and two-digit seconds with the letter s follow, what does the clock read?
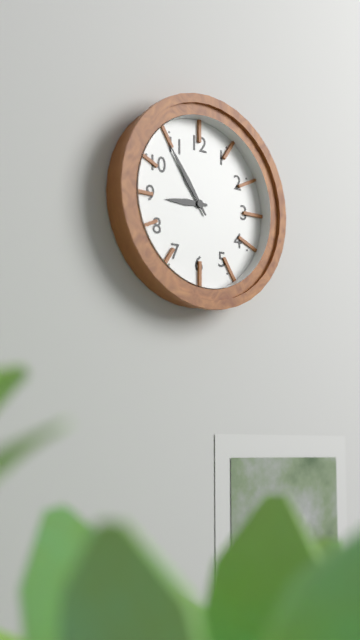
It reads 8h54
